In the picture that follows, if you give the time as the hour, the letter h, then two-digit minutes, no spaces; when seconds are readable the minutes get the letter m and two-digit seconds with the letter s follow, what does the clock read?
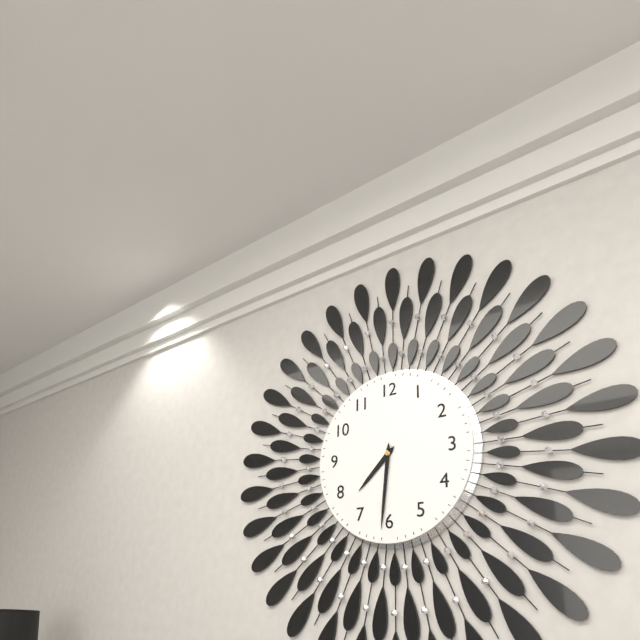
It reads 7h31
